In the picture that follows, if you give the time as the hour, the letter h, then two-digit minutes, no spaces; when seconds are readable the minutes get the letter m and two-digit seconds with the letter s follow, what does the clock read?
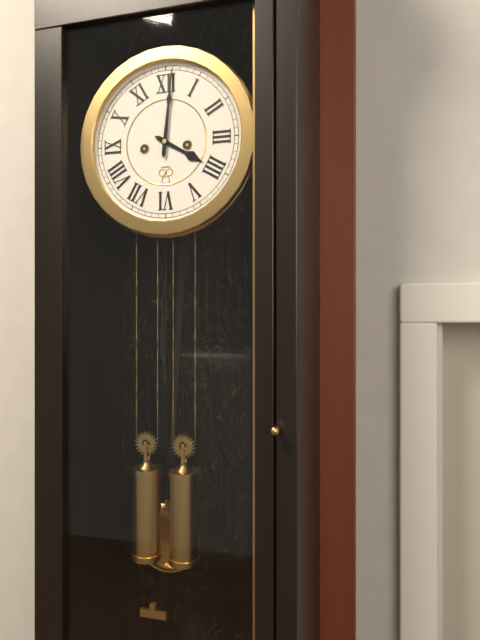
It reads 4h01
